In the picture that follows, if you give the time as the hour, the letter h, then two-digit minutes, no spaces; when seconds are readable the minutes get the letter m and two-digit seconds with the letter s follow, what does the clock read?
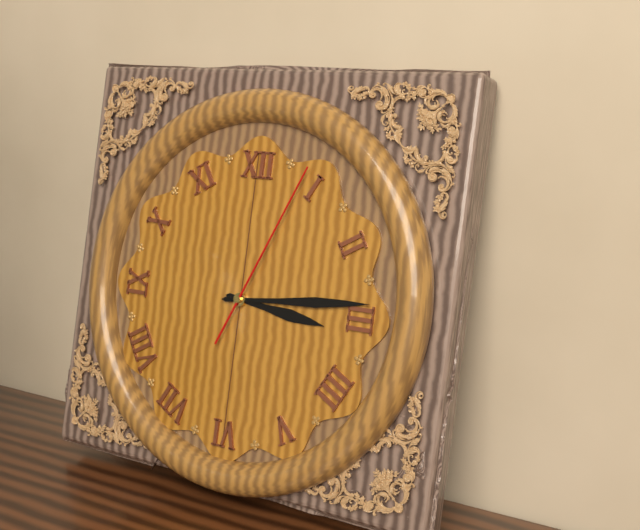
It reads 3h14m04s
